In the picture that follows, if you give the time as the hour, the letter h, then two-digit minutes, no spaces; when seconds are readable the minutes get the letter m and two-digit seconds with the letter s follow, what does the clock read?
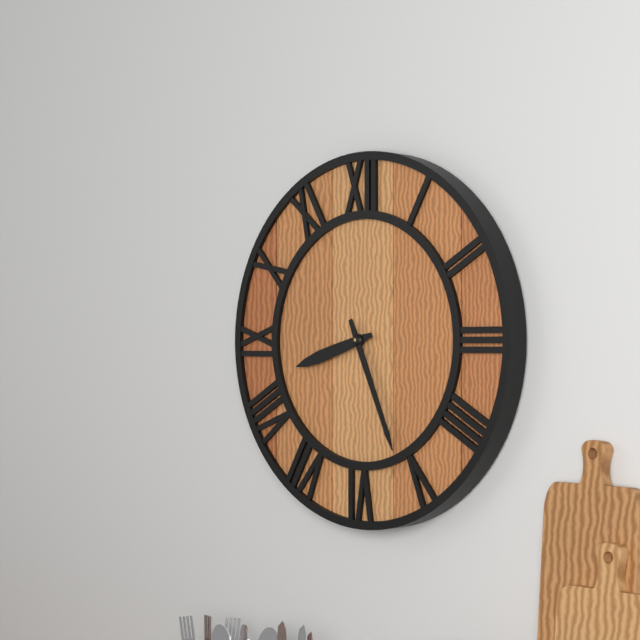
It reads 8h26
